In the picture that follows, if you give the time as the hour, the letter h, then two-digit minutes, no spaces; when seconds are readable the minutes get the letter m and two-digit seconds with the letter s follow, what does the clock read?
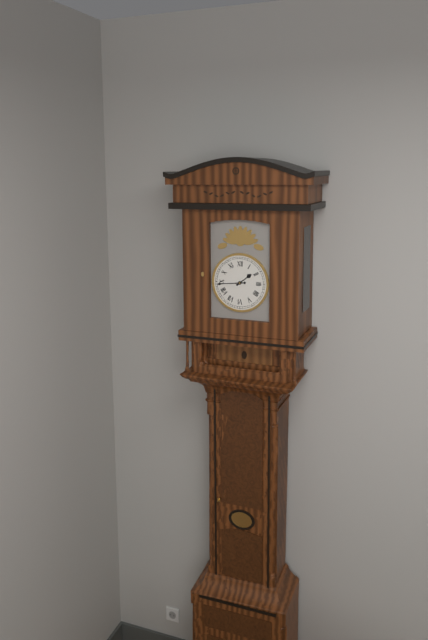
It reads 1h44
